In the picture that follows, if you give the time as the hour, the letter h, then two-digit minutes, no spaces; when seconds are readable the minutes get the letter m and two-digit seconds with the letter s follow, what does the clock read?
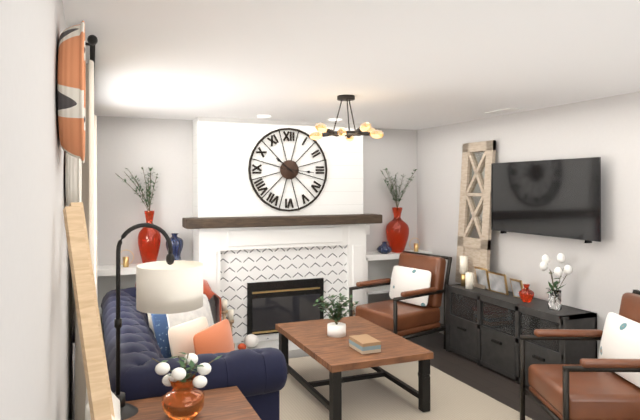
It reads 10h16
